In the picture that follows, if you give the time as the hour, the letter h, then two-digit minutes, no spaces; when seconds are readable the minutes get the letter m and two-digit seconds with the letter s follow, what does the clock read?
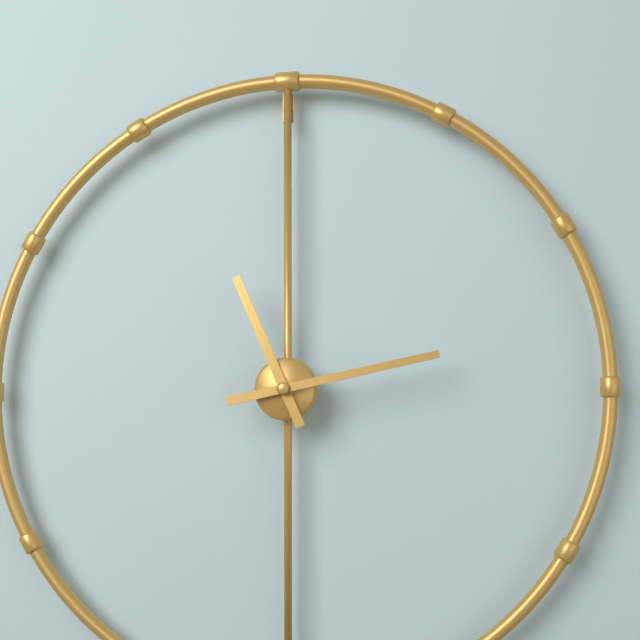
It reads 11h13
